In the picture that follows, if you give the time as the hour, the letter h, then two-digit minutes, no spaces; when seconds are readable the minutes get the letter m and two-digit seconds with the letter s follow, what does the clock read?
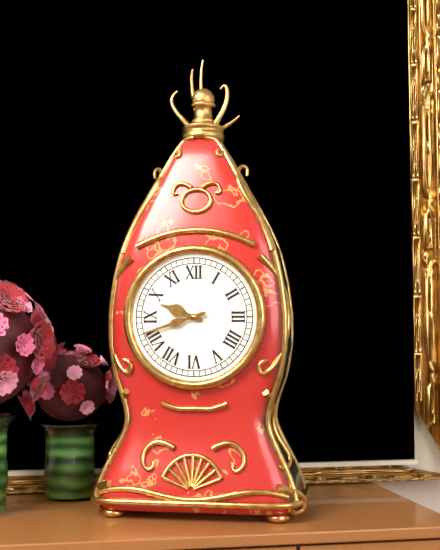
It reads 9h42
